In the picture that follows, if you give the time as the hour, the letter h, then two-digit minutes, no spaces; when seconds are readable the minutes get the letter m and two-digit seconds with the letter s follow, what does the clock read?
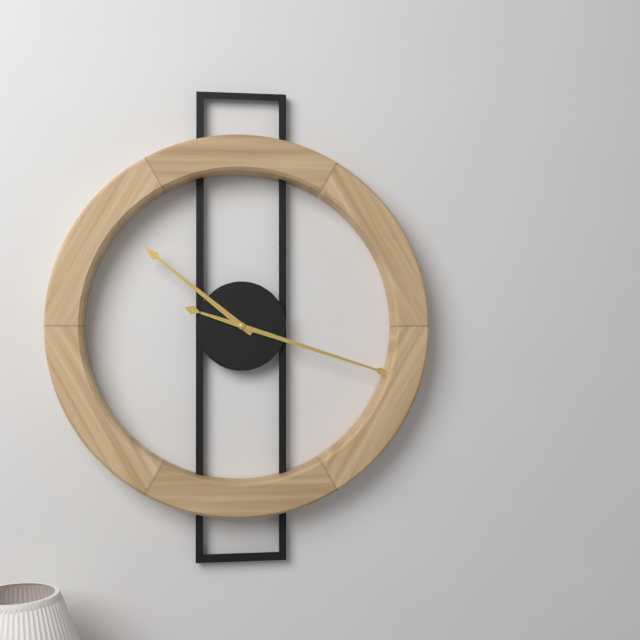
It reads 10h18
